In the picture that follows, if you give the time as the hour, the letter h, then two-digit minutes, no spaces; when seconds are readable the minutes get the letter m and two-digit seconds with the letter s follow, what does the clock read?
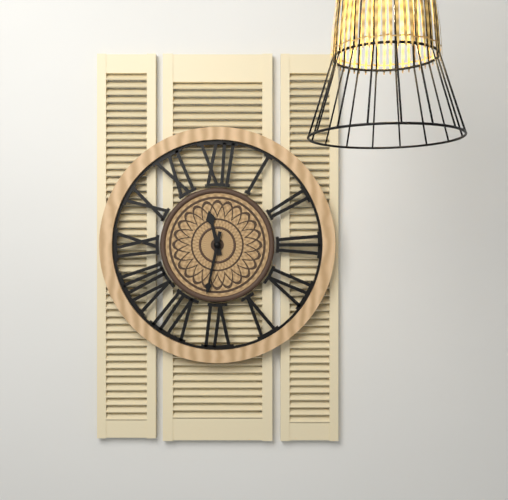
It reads 11h32
